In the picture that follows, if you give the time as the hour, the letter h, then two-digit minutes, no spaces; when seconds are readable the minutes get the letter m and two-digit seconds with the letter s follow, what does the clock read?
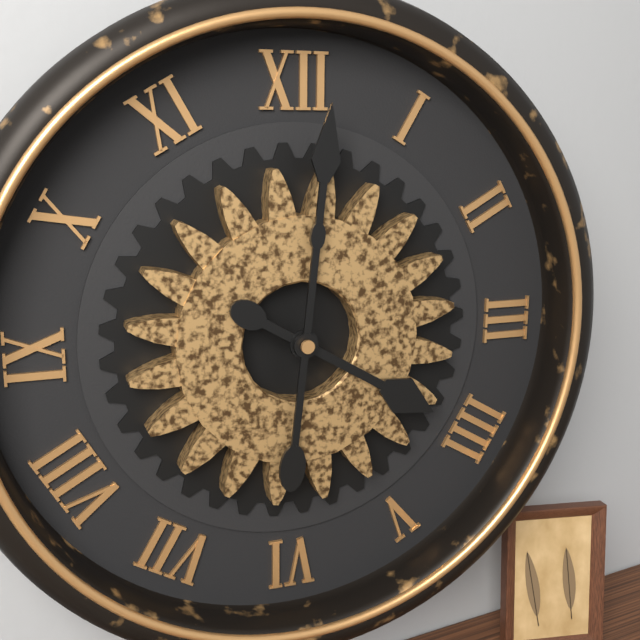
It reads 4h01
